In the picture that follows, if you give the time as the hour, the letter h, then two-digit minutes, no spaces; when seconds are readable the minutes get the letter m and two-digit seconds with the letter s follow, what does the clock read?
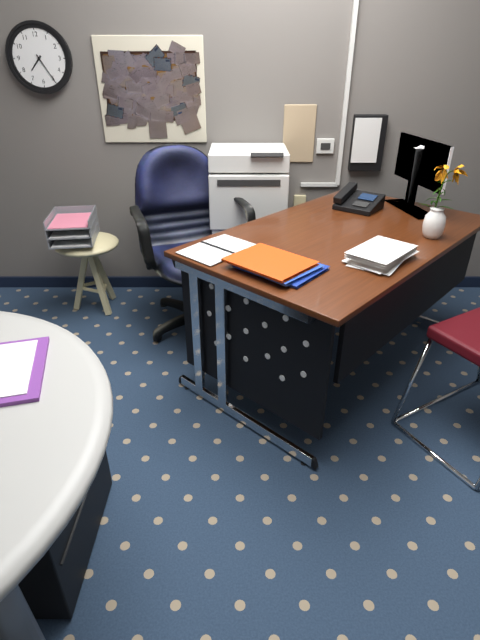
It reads 7h25
